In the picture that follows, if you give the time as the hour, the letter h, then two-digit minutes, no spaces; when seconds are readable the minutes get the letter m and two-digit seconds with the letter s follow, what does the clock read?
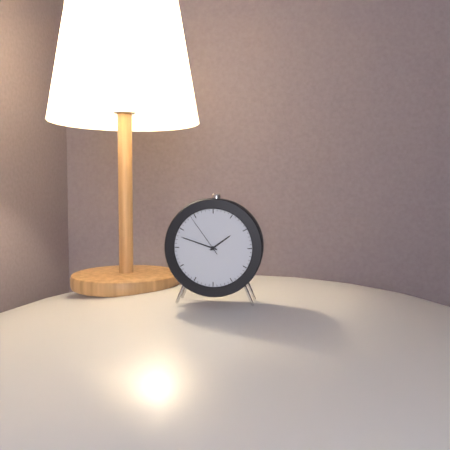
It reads 1h48
